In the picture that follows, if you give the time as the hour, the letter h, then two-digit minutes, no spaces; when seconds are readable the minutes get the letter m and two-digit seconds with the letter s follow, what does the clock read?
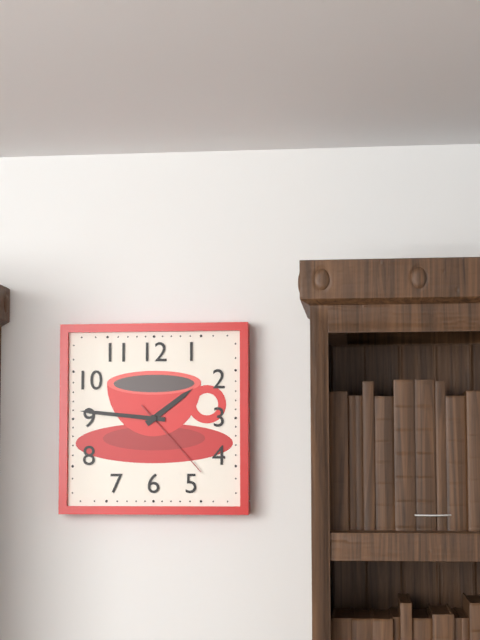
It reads 1h46m23s
